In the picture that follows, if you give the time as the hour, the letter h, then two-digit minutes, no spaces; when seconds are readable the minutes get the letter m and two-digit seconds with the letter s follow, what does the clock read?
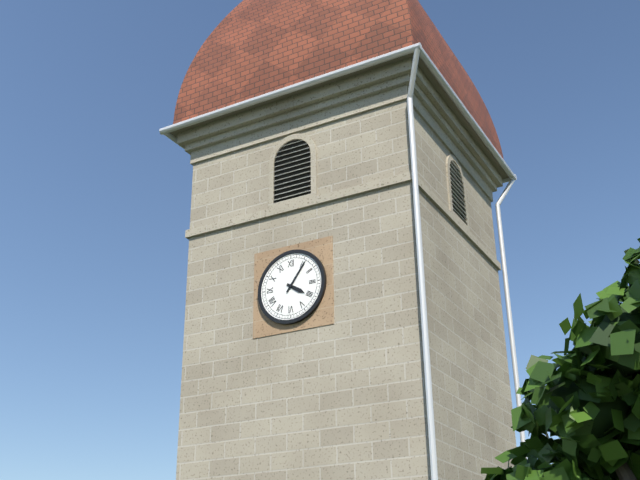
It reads 4h06
